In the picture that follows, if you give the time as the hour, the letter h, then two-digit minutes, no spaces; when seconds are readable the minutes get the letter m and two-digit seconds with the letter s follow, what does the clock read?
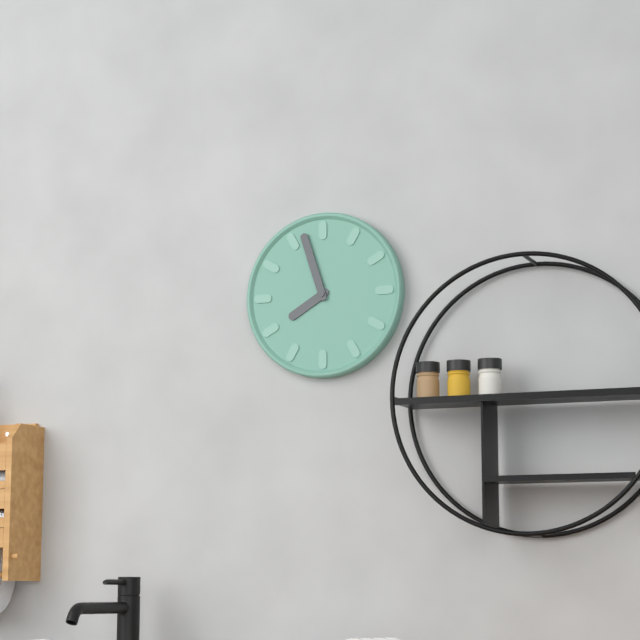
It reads 7h57
